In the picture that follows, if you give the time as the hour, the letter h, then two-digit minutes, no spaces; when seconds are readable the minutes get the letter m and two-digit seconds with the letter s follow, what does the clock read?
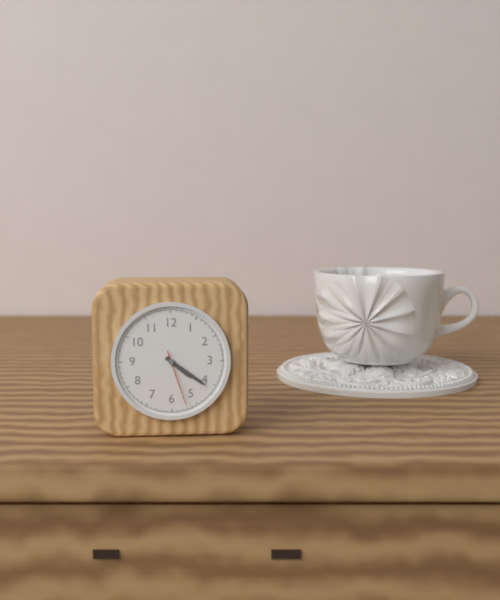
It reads 4h21m27s
